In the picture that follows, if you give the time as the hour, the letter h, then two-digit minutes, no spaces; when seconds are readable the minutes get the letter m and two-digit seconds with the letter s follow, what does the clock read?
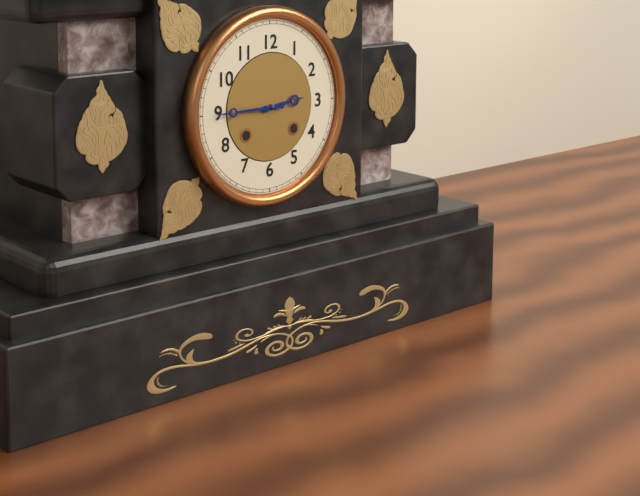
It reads 2h45
